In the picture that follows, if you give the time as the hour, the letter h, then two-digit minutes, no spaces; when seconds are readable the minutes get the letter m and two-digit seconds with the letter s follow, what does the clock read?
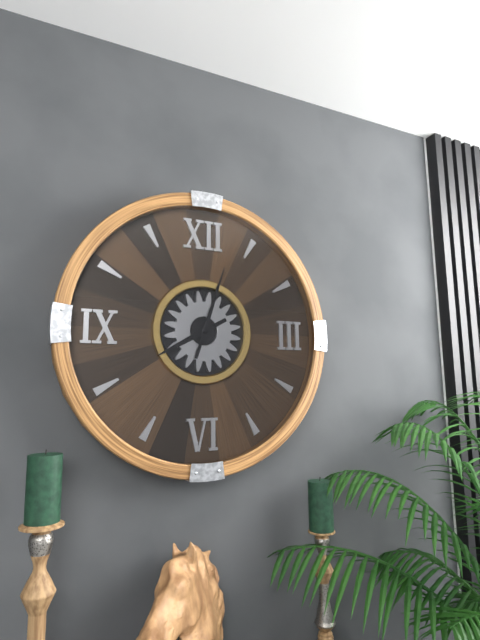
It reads 8h03
